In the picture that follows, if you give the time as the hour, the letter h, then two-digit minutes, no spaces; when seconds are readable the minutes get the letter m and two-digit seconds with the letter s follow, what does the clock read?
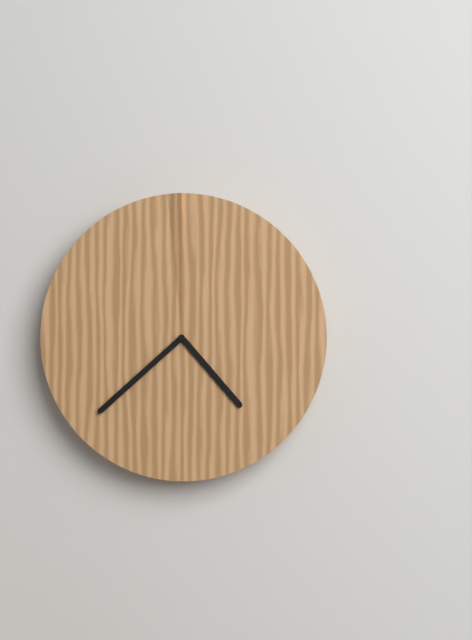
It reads 4h38
